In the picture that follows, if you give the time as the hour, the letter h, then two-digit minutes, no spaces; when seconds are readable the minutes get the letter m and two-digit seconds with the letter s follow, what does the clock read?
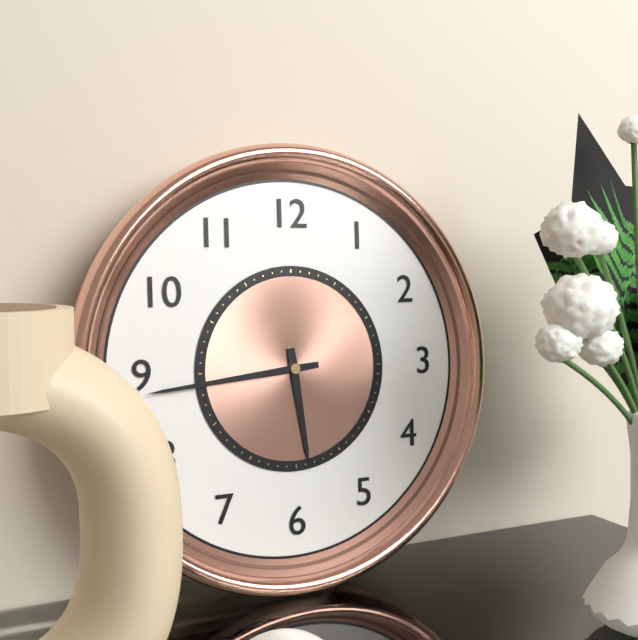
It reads 5h44
